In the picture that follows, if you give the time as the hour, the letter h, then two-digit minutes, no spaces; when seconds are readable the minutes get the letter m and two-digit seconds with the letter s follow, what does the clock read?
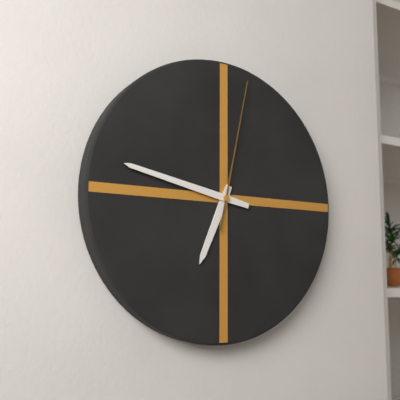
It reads 6h47m02s
